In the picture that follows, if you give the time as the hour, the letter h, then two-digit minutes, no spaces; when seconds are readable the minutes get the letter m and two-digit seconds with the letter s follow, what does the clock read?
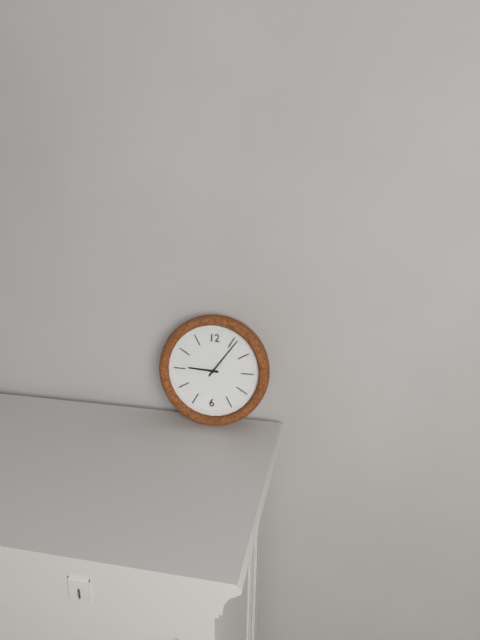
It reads 9h06
